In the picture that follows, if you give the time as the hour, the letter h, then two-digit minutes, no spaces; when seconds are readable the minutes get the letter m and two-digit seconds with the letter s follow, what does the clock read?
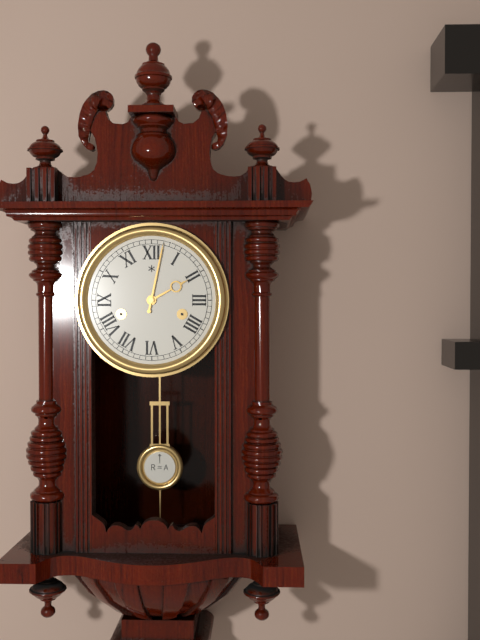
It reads 2h02
